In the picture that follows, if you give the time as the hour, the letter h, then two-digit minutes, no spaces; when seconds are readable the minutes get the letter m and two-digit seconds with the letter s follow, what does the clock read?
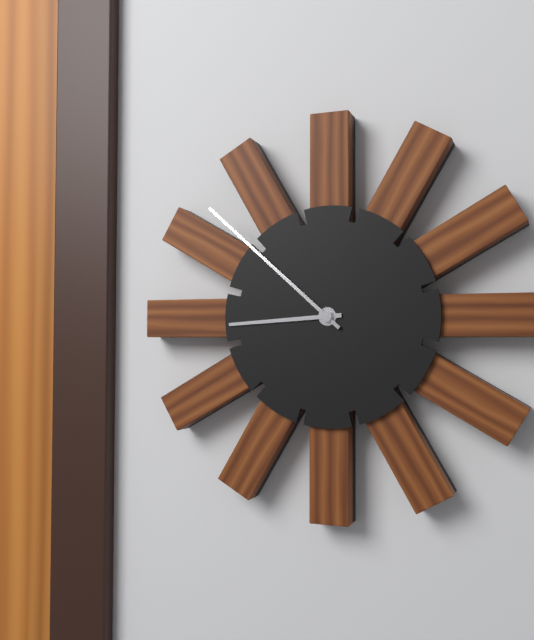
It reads 8h52
